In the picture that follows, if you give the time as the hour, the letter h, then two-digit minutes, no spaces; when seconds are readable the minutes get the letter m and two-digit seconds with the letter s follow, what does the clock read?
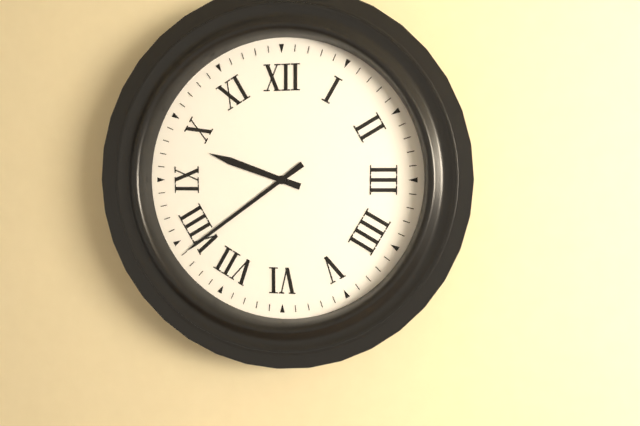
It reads 9h39
